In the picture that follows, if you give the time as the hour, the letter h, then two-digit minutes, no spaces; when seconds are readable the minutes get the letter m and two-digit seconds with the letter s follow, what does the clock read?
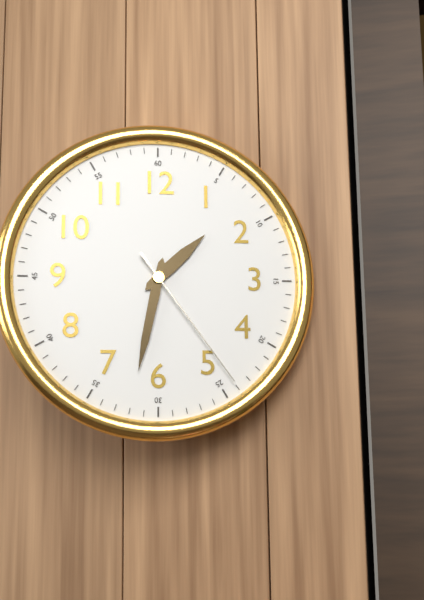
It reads 1h32m24s
